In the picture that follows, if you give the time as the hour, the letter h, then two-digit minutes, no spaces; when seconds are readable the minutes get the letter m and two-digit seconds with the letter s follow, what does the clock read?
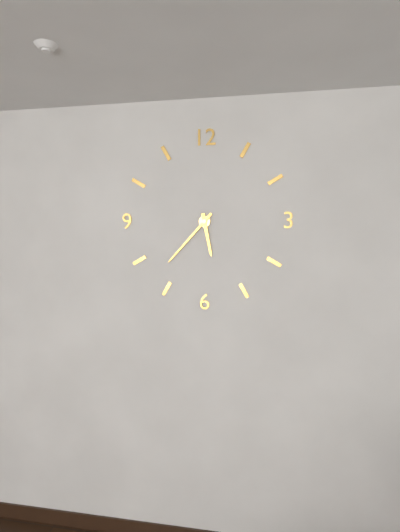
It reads 5h37
